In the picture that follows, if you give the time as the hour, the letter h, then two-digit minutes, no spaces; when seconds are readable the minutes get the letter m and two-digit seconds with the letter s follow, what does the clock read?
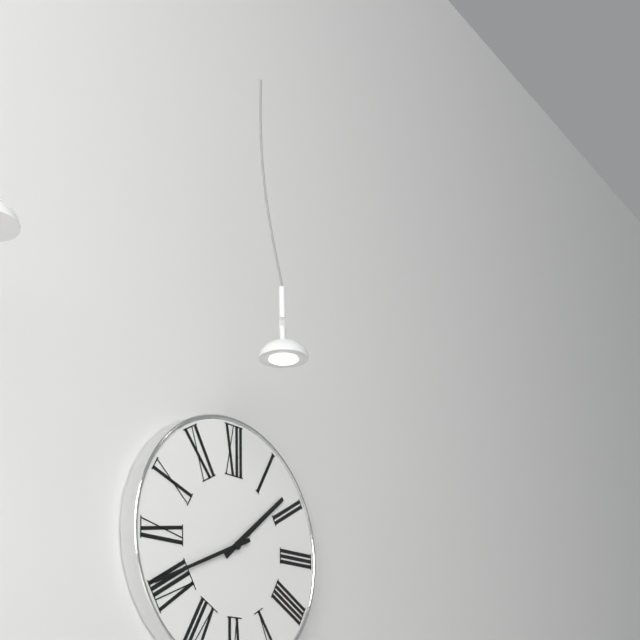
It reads 1h41
